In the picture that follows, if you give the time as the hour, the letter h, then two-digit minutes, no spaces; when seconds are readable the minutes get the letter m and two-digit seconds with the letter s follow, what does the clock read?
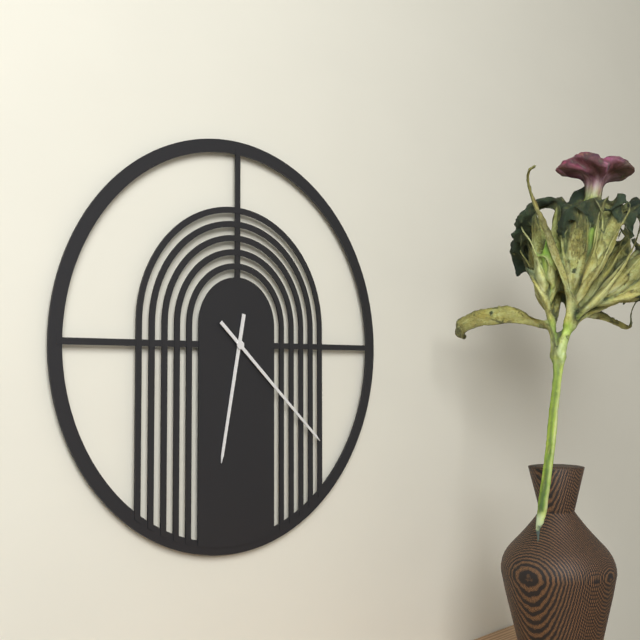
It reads 6h22
